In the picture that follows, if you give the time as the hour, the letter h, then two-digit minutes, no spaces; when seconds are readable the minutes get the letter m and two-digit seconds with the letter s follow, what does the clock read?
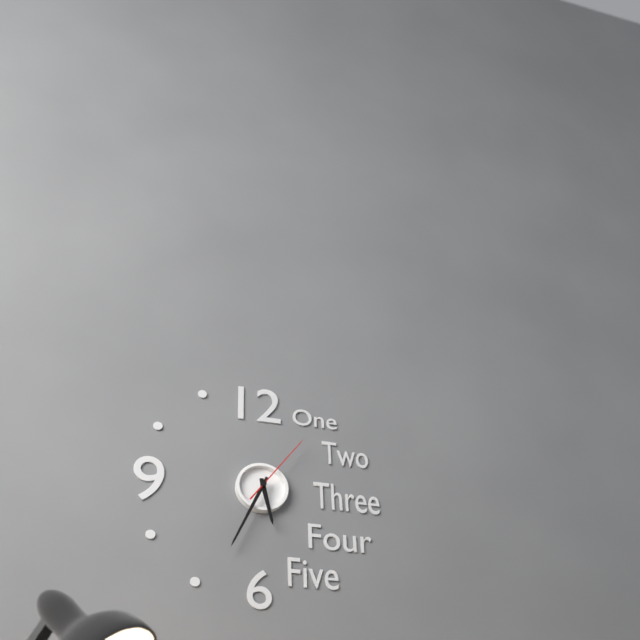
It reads 5h34m06s
